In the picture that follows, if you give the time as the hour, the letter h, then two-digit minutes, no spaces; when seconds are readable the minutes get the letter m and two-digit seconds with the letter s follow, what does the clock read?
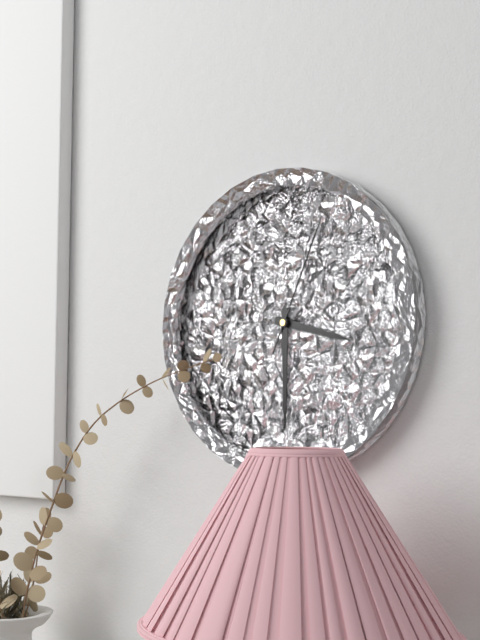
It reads 3h30m04s
